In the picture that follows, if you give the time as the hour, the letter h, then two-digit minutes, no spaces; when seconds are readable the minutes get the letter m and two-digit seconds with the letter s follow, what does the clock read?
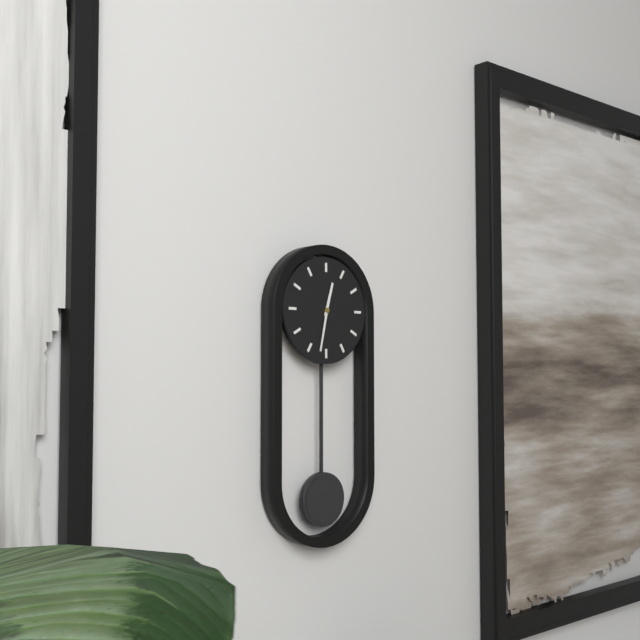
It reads 12h32
